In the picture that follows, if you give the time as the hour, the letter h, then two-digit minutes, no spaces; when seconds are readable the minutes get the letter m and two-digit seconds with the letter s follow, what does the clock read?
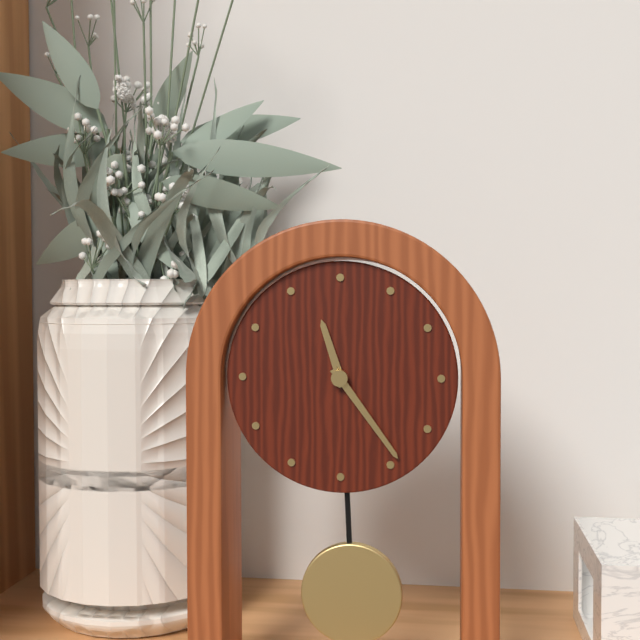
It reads 11h24
